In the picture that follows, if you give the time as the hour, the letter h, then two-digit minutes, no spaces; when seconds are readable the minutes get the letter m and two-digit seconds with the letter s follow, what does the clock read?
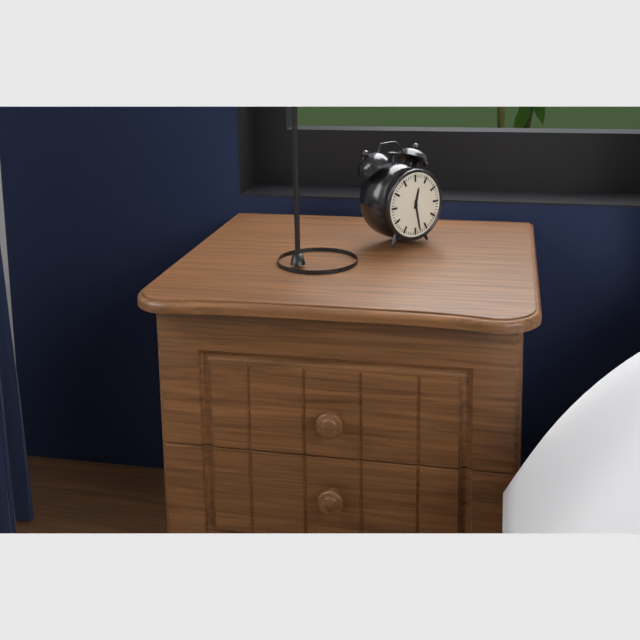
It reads 12h28
